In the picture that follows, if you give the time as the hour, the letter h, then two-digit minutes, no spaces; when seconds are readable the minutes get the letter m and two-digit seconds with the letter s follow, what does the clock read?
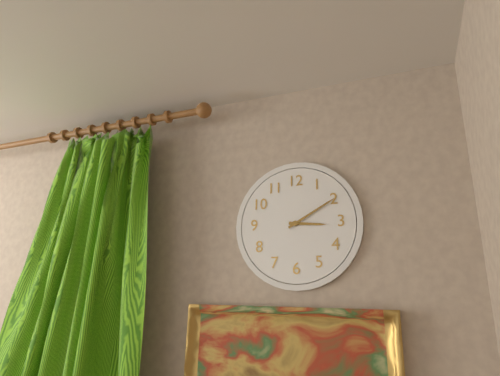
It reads 3h10
